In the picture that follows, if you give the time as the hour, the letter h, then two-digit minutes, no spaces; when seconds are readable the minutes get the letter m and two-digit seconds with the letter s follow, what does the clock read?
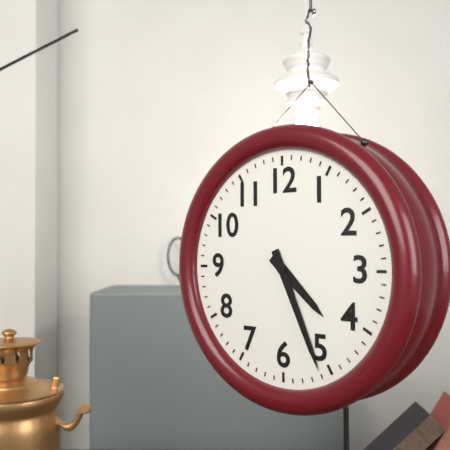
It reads 4h26
